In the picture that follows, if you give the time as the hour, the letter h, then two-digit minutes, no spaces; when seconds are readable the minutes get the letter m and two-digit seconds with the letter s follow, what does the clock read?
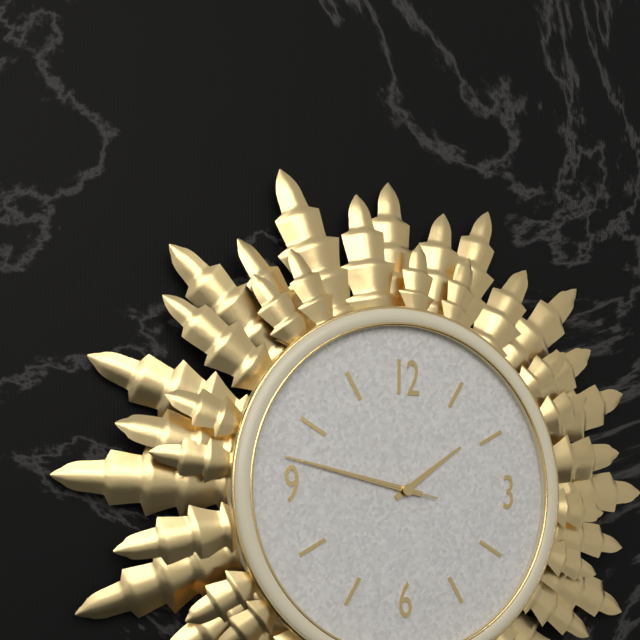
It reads 1h47m47s
